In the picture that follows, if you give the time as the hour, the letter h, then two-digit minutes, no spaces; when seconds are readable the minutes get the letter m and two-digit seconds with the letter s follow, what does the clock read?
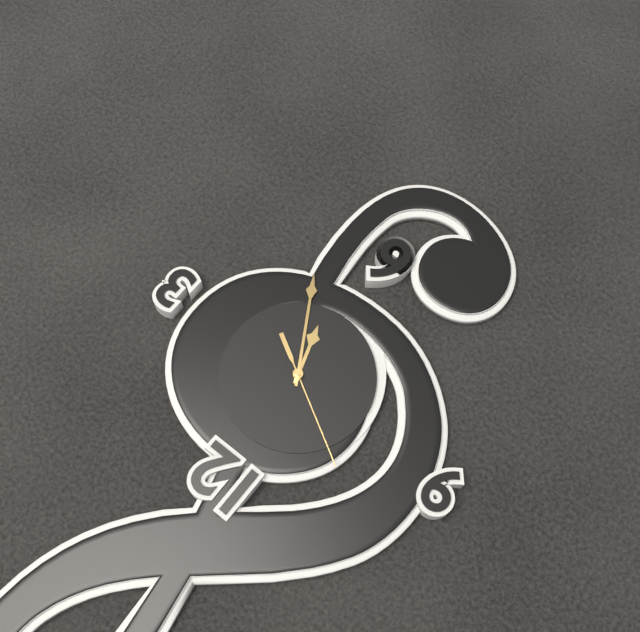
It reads 5h25m50s
